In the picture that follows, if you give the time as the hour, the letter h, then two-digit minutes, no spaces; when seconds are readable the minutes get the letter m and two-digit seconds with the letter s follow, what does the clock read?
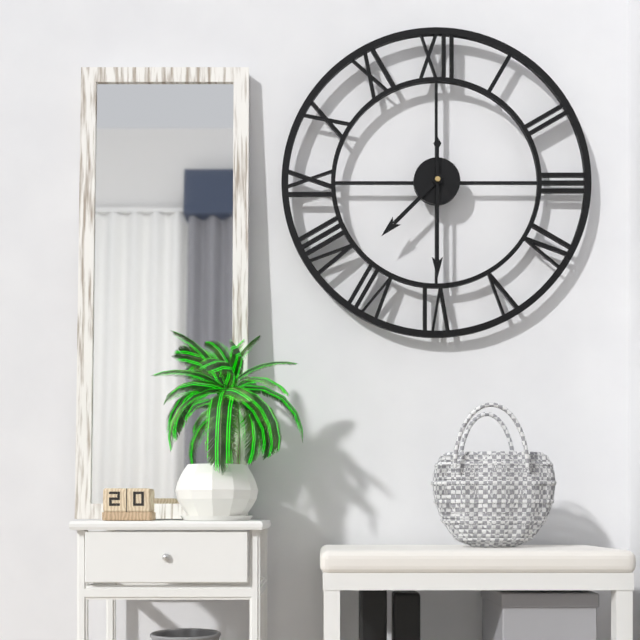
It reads 7h30
